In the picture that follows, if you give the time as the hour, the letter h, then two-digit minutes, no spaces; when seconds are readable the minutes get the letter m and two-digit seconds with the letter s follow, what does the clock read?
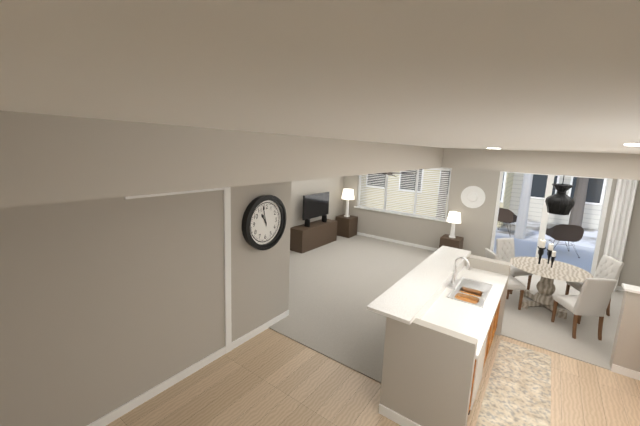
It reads 10h58
